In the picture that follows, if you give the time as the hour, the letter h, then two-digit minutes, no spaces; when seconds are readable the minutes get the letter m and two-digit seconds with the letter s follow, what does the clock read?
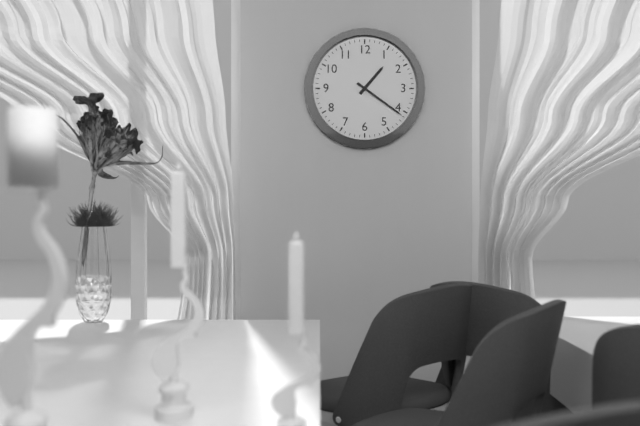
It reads 1h21
